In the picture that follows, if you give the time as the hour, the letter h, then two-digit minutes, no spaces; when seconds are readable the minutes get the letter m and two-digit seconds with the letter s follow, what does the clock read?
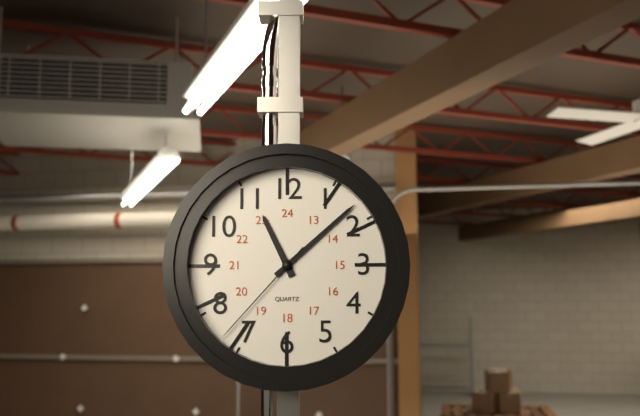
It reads 11h08m37s
